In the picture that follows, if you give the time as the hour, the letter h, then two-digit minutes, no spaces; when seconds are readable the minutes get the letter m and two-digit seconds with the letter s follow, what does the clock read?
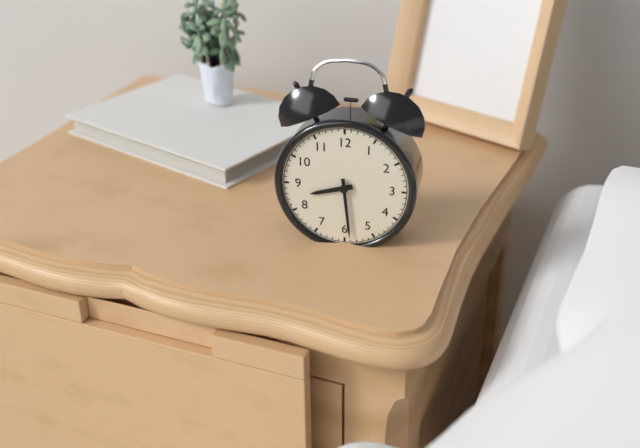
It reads 8h29
